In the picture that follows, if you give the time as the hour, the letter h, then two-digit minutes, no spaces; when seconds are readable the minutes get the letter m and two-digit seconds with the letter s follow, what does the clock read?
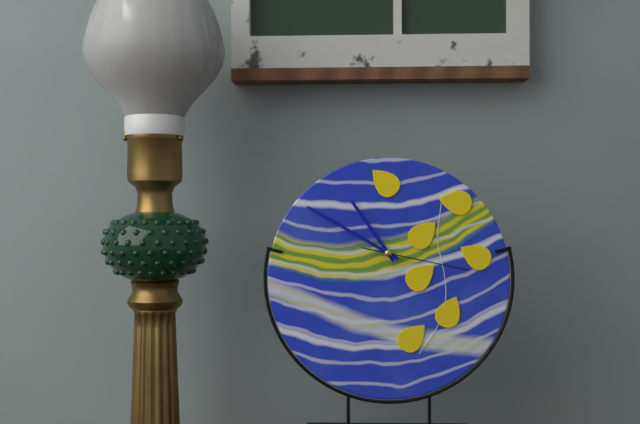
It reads 10h50m17s
